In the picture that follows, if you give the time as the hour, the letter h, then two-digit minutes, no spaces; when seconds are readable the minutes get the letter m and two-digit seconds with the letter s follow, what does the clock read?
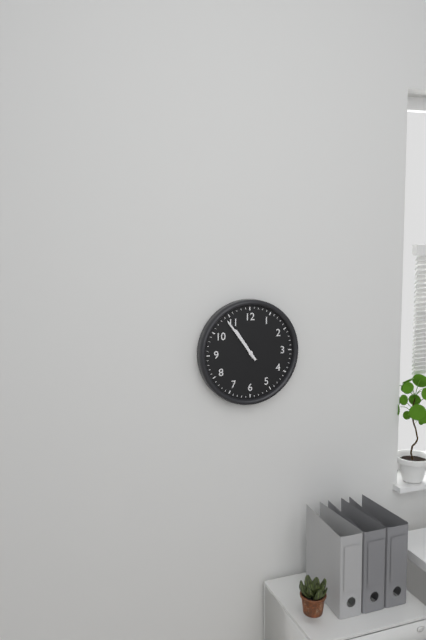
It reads 10h54
